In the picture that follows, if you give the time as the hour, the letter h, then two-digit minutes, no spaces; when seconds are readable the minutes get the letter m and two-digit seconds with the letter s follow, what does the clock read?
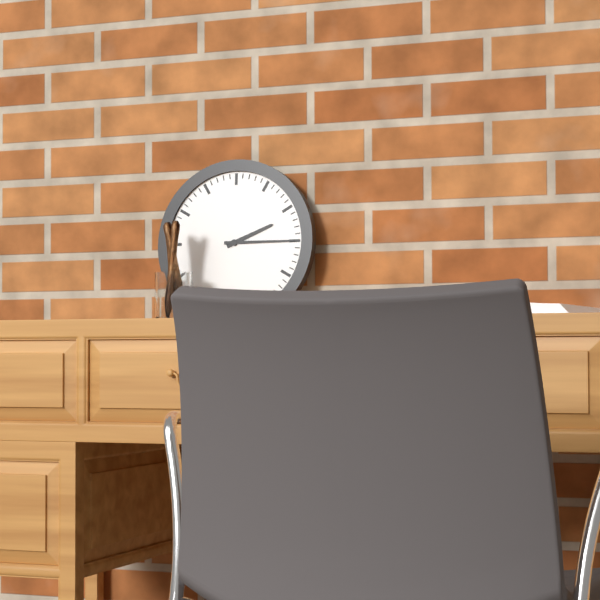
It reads 2h15
